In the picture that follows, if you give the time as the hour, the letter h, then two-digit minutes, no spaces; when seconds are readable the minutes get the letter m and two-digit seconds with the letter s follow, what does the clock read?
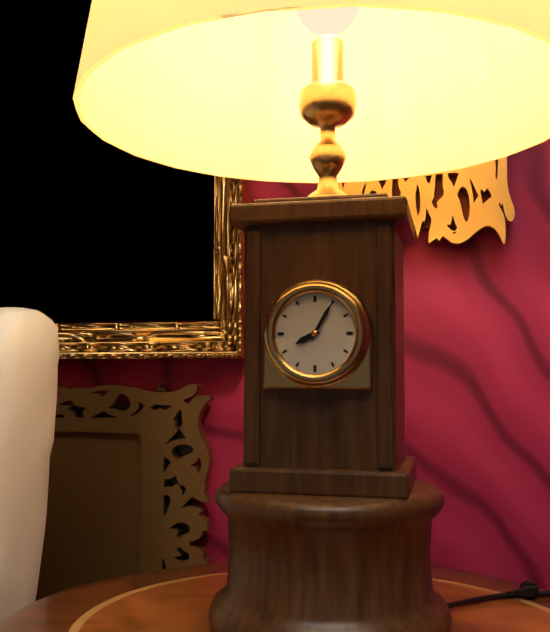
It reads 8h05
